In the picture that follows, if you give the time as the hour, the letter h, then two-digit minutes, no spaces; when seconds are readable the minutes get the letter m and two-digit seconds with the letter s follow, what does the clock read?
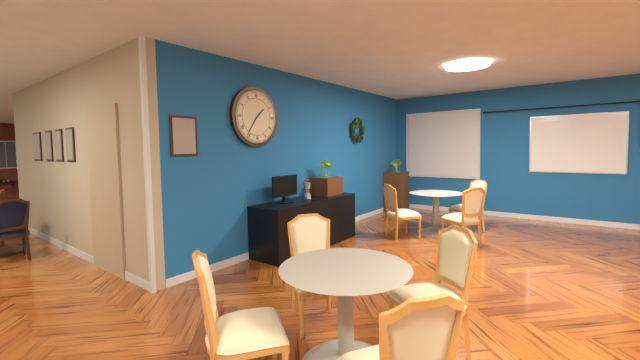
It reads 1h36
